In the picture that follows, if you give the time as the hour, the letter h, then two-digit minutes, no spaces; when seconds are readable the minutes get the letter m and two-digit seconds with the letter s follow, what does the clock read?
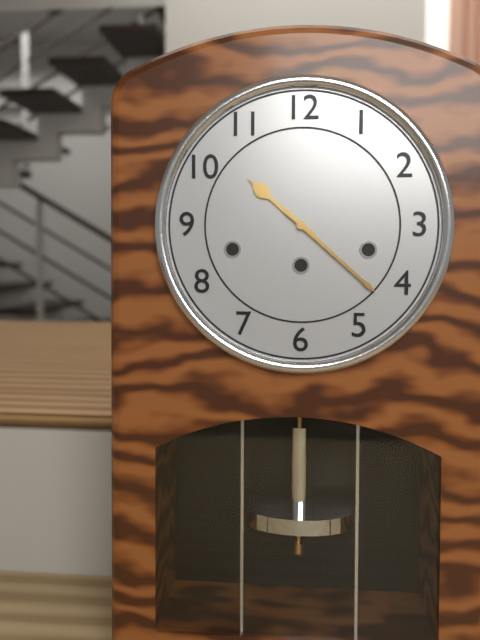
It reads 10h22
